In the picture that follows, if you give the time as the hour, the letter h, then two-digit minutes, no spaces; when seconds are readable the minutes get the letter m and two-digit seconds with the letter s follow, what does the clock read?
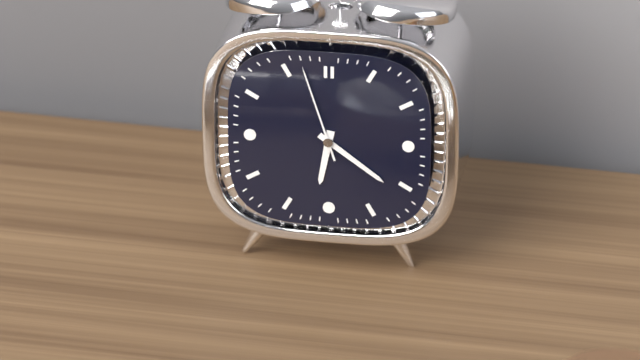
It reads 6h21m57s
